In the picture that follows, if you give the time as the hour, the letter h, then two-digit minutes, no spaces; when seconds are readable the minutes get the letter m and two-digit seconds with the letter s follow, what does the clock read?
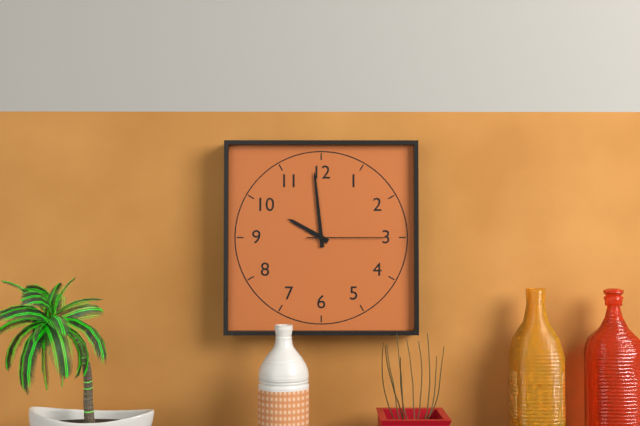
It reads 9h59m15s
